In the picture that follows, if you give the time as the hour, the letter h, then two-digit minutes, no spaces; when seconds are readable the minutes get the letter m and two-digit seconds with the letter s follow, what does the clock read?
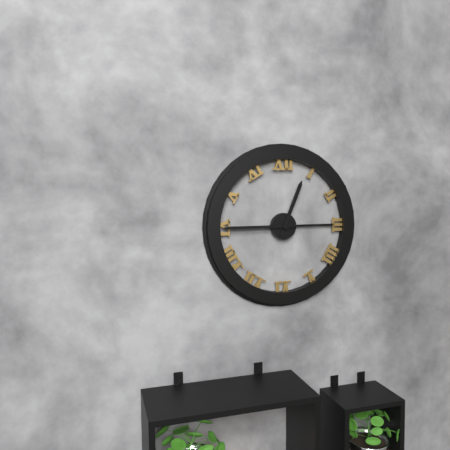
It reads 12h45
